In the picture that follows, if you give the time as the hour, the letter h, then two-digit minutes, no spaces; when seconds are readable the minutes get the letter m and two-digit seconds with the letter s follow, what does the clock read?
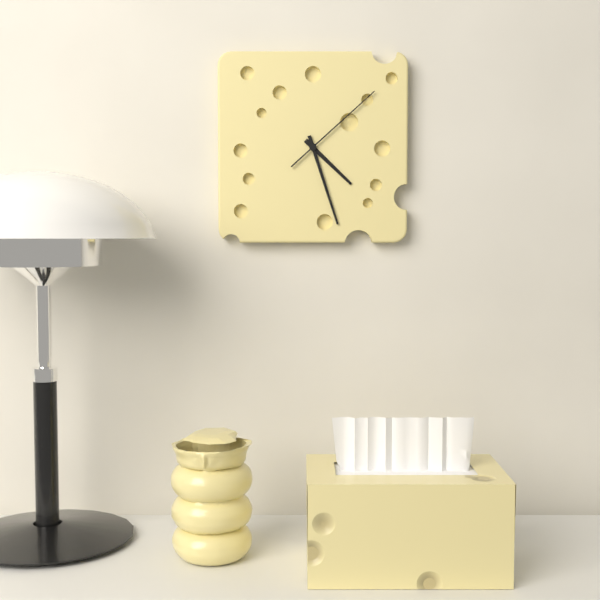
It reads 4h27m08s
